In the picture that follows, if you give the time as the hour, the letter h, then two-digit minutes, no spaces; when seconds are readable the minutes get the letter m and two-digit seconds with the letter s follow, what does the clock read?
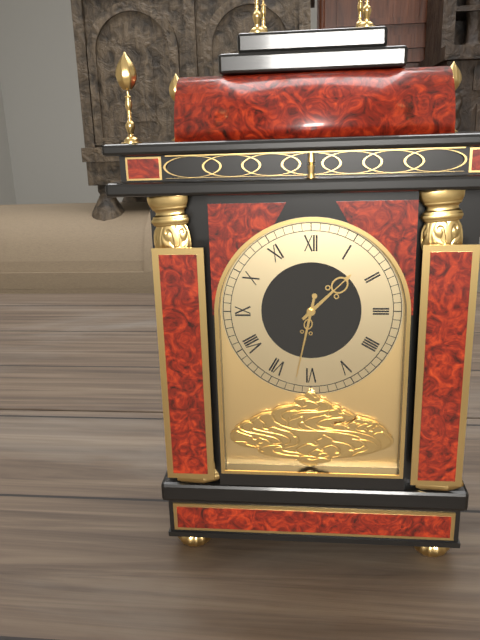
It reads 1h32
